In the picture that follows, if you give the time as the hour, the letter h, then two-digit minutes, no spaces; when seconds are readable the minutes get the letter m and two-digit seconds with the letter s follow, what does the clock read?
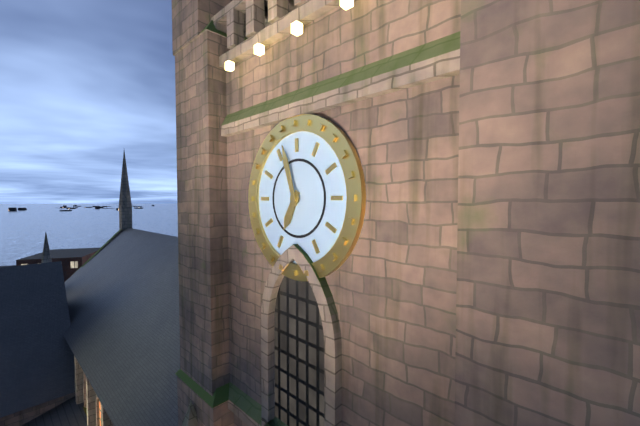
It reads 6h57
